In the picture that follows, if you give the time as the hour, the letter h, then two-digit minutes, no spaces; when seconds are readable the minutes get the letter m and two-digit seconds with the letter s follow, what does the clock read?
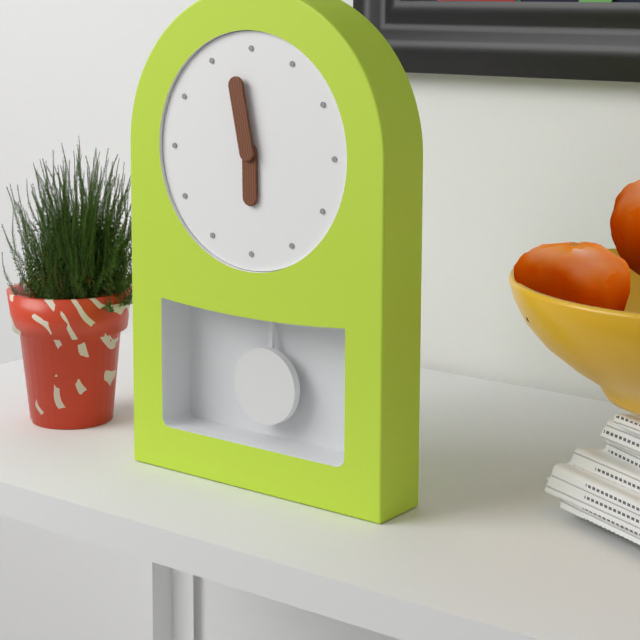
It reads 5h58
